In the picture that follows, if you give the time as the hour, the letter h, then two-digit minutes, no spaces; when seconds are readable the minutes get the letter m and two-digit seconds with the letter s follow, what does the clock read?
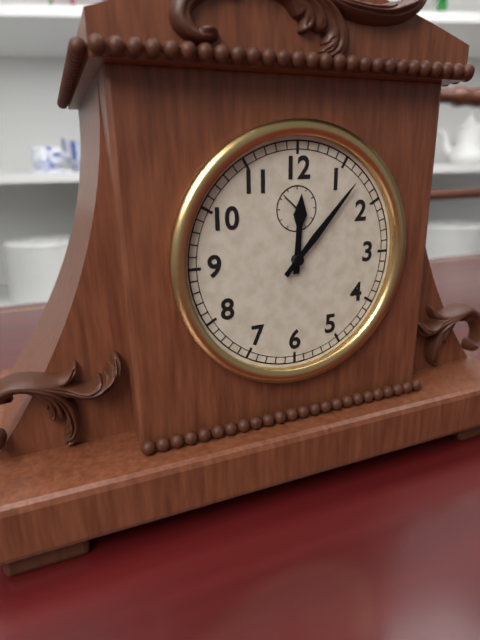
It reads 12h07
